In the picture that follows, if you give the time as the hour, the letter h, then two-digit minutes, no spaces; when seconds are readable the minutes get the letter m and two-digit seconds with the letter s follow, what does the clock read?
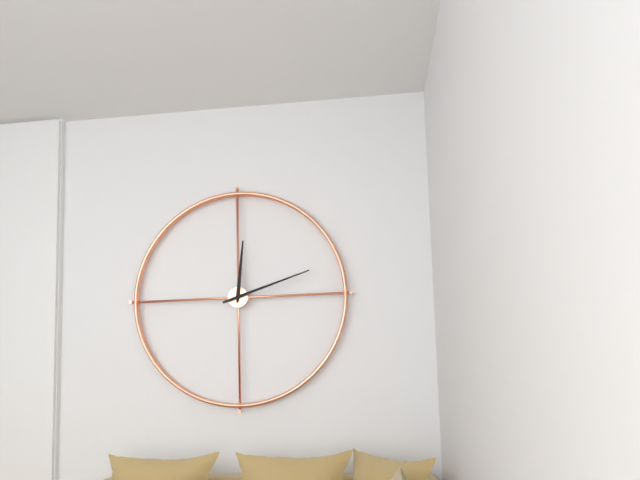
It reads 12h12
